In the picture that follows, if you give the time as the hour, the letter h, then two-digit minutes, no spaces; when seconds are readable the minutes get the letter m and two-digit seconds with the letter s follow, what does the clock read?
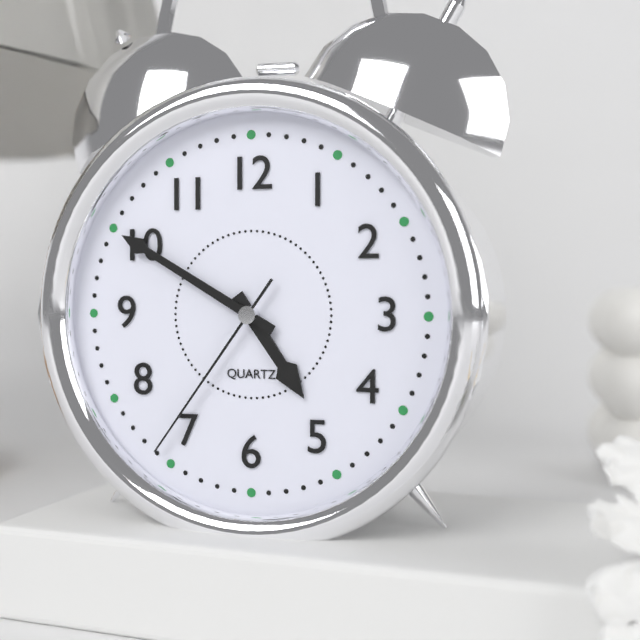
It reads 4h50m36s
